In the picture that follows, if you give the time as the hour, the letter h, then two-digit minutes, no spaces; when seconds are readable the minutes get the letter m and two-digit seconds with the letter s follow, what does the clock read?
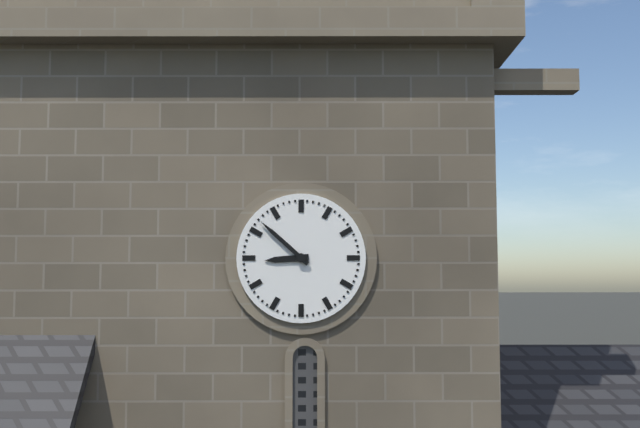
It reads 8h52
